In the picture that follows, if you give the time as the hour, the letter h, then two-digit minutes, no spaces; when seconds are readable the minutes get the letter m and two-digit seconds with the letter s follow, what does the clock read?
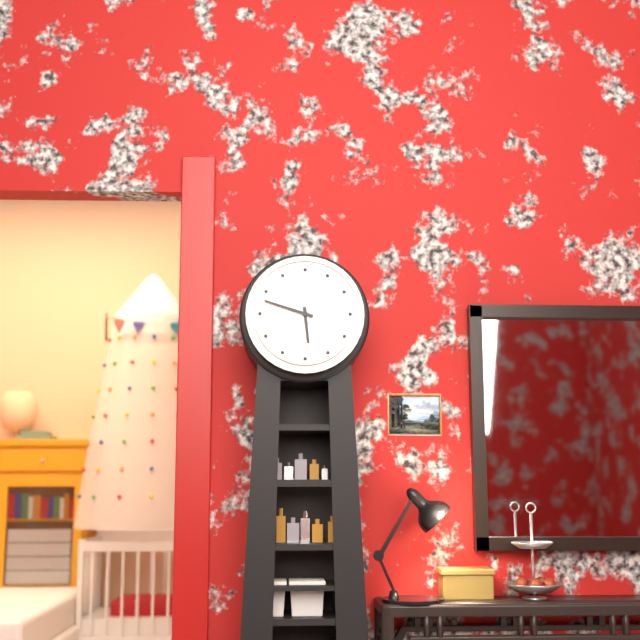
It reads 5h48
